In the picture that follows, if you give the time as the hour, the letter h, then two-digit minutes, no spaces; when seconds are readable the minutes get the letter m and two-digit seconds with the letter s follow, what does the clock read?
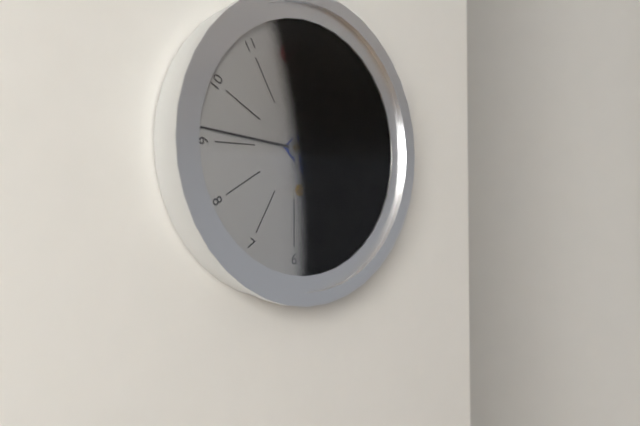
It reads 4h46m59s
